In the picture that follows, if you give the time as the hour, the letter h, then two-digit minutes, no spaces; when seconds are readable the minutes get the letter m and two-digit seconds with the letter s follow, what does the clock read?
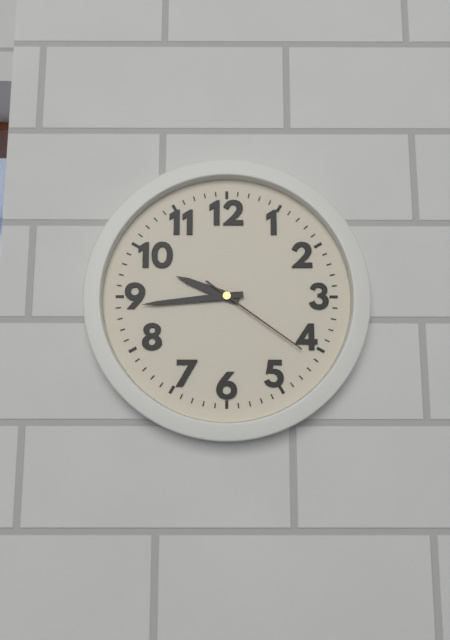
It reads 9h44m21s
